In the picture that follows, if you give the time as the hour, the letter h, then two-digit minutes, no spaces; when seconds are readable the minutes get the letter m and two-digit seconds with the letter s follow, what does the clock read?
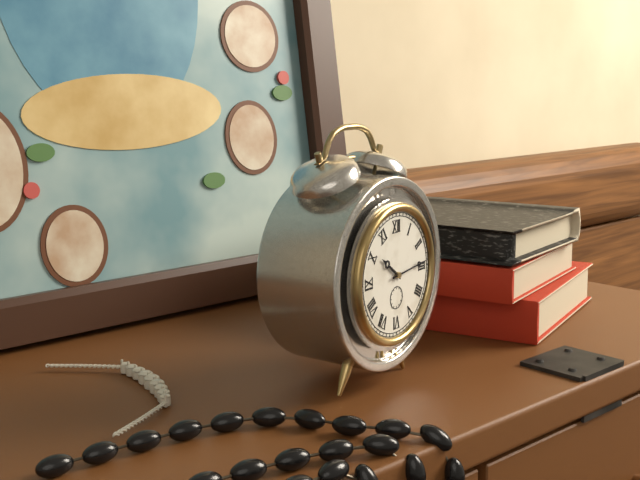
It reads 10h14
